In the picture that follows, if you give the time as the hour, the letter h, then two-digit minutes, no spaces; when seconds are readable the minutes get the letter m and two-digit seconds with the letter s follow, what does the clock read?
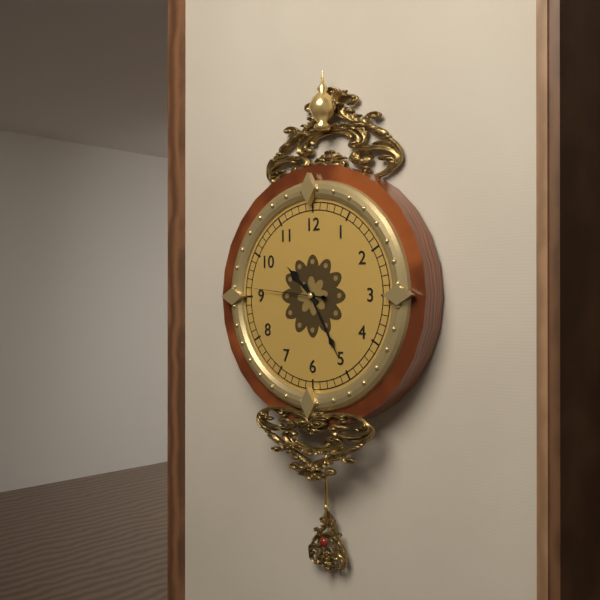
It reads 10h25m46s
